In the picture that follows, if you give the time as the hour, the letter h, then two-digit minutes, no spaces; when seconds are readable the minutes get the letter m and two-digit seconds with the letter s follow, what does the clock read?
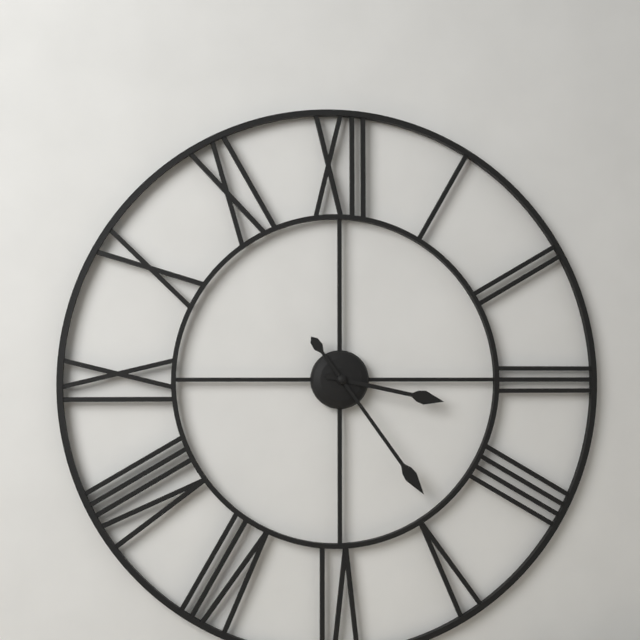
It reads 3h24
